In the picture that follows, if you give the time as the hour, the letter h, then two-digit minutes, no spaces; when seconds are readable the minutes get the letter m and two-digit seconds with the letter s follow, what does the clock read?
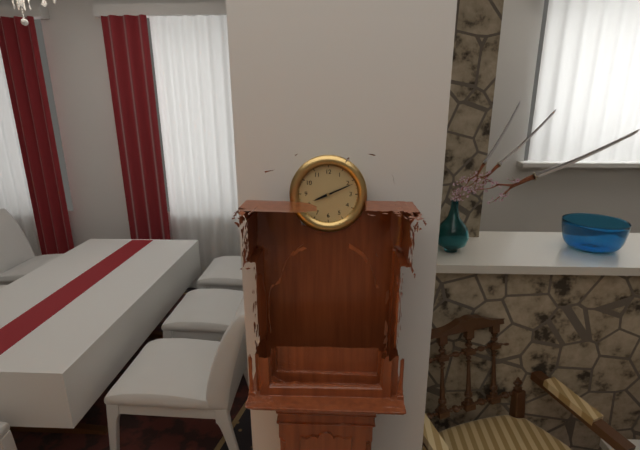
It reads 8h11
